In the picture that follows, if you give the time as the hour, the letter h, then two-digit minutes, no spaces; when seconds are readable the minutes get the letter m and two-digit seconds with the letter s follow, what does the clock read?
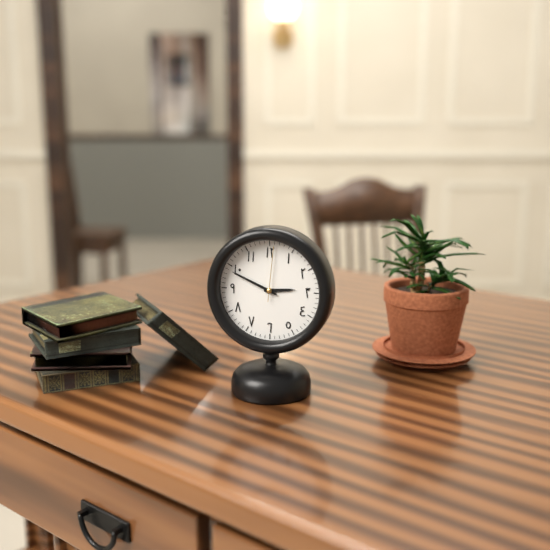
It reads 2h49m01s
